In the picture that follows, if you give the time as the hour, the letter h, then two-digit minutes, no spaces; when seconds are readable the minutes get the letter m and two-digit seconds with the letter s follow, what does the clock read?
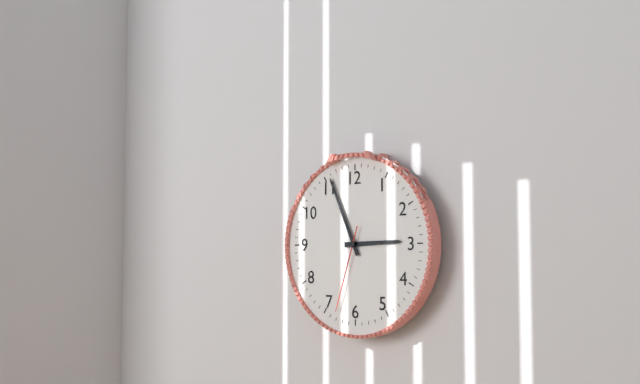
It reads 2h56m33s
